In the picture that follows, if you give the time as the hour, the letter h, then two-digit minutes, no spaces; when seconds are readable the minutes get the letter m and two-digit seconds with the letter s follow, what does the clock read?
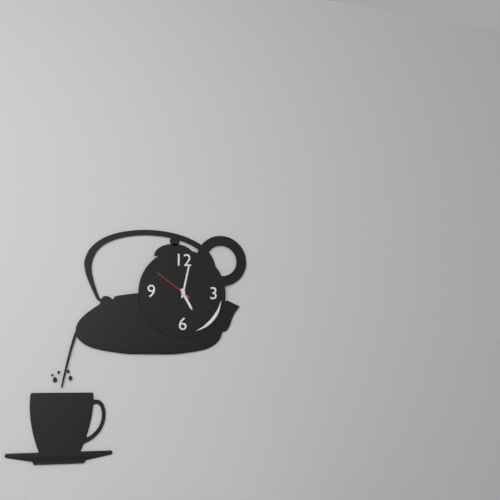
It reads 5h02
